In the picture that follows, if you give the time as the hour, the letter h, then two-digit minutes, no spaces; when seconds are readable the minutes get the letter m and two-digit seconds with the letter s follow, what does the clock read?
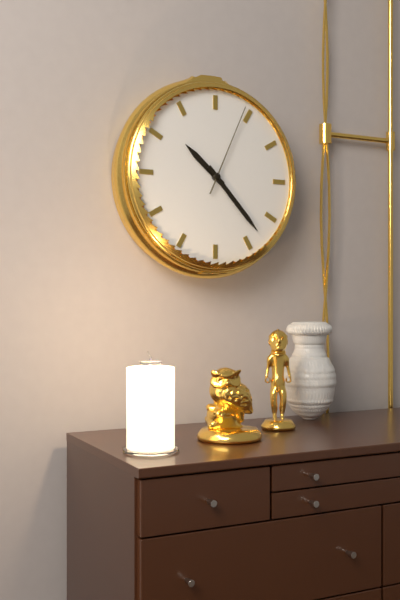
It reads 10h23m04s
